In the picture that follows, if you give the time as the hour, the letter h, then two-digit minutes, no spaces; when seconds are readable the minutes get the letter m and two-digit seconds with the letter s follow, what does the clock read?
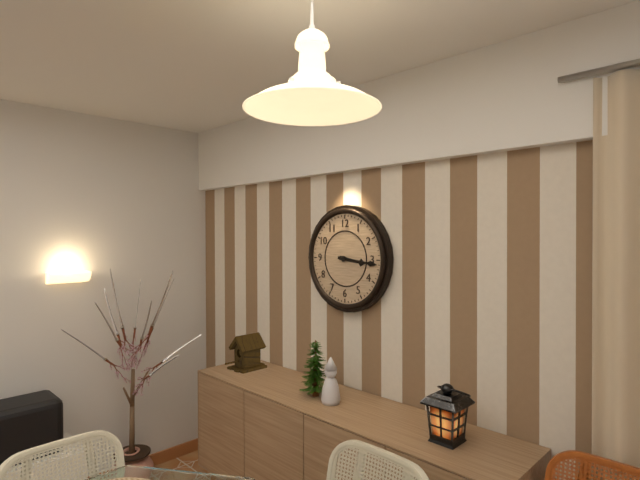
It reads 3h16
